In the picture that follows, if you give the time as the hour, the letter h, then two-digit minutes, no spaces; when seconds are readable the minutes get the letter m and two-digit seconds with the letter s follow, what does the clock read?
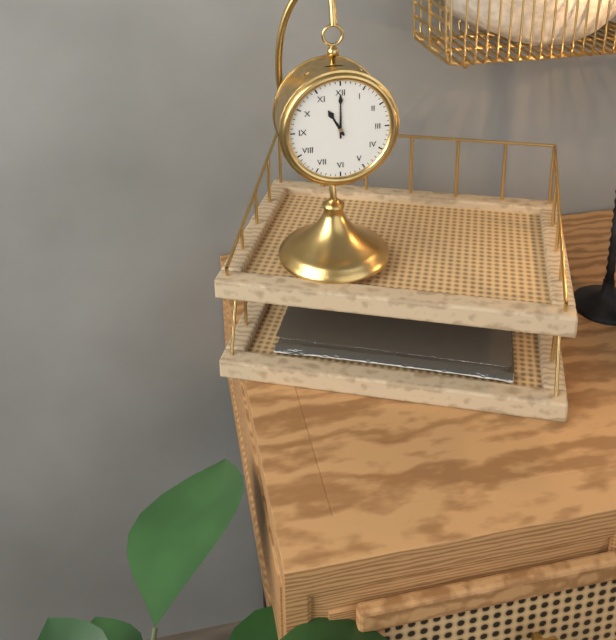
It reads 11h00
